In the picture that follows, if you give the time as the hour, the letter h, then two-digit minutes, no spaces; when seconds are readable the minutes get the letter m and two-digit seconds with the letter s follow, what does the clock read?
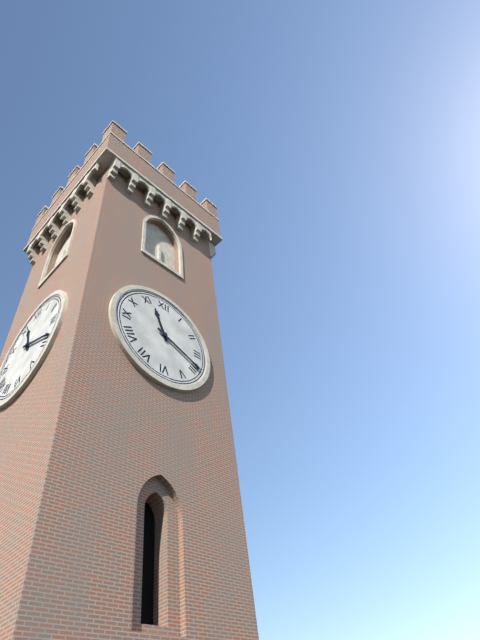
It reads 11h19
